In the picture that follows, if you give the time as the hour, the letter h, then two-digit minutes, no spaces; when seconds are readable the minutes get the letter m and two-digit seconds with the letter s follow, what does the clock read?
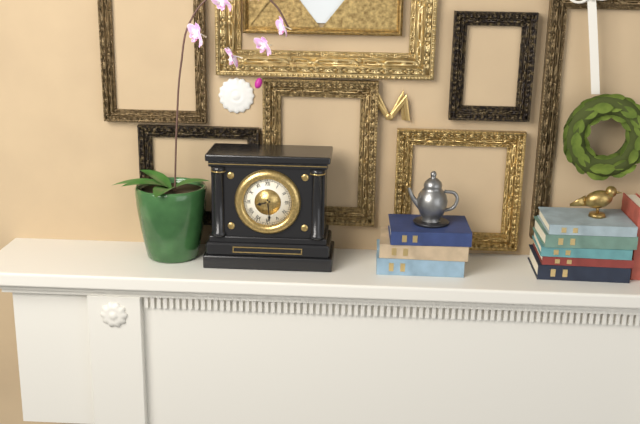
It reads 8h29
